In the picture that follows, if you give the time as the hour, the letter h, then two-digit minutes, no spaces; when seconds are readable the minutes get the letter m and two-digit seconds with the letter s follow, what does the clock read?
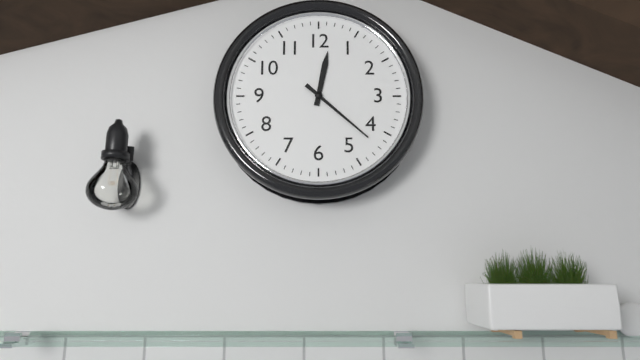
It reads 12h22
